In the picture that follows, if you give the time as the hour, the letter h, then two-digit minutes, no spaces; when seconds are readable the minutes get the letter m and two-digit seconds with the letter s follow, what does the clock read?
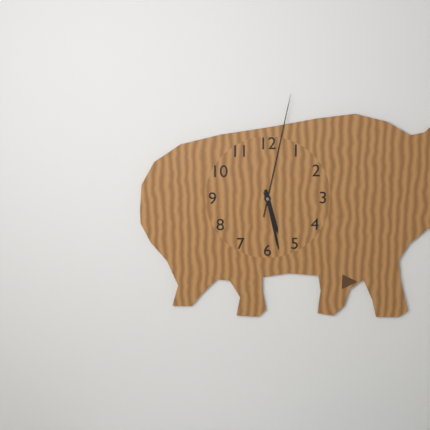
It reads 5h28m02s
